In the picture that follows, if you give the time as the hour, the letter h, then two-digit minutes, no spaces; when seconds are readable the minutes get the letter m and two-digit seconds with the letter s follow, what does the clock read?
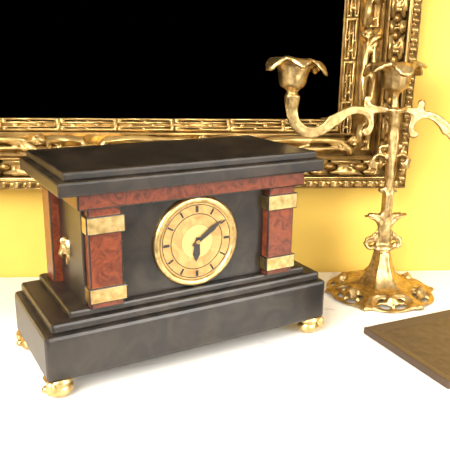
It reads 6h09
